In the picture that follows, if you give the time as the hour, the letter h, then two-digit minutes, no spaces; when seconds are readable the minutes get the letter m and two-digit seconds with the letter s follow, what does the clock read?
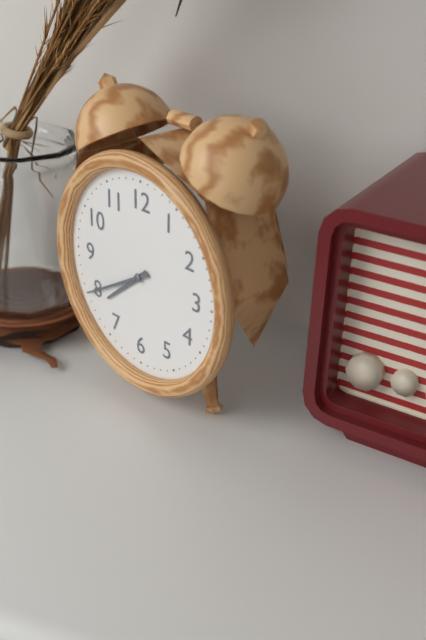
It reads 7h40
